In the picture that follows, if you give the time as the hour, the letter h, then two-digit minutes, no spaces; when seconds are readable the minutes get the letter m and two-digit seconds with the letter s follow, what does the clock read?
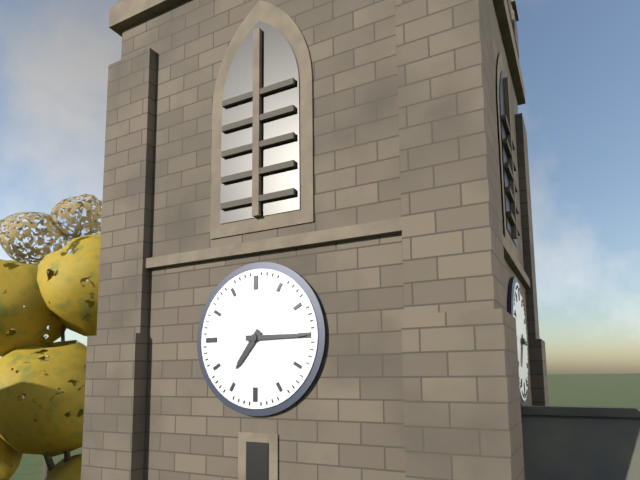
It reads 7h15
